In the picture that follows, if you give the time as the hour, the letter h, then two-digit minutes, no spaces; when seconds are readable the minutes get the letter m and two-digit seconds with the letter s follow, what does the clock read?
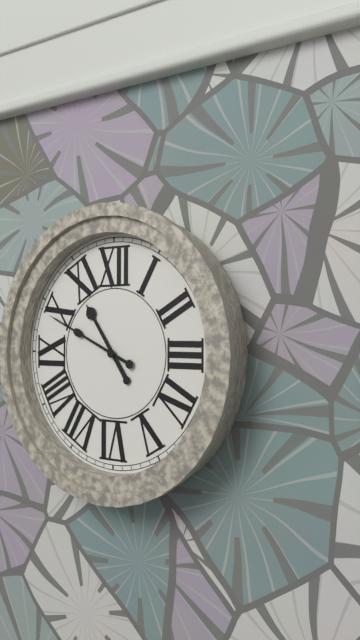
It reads 10h49
